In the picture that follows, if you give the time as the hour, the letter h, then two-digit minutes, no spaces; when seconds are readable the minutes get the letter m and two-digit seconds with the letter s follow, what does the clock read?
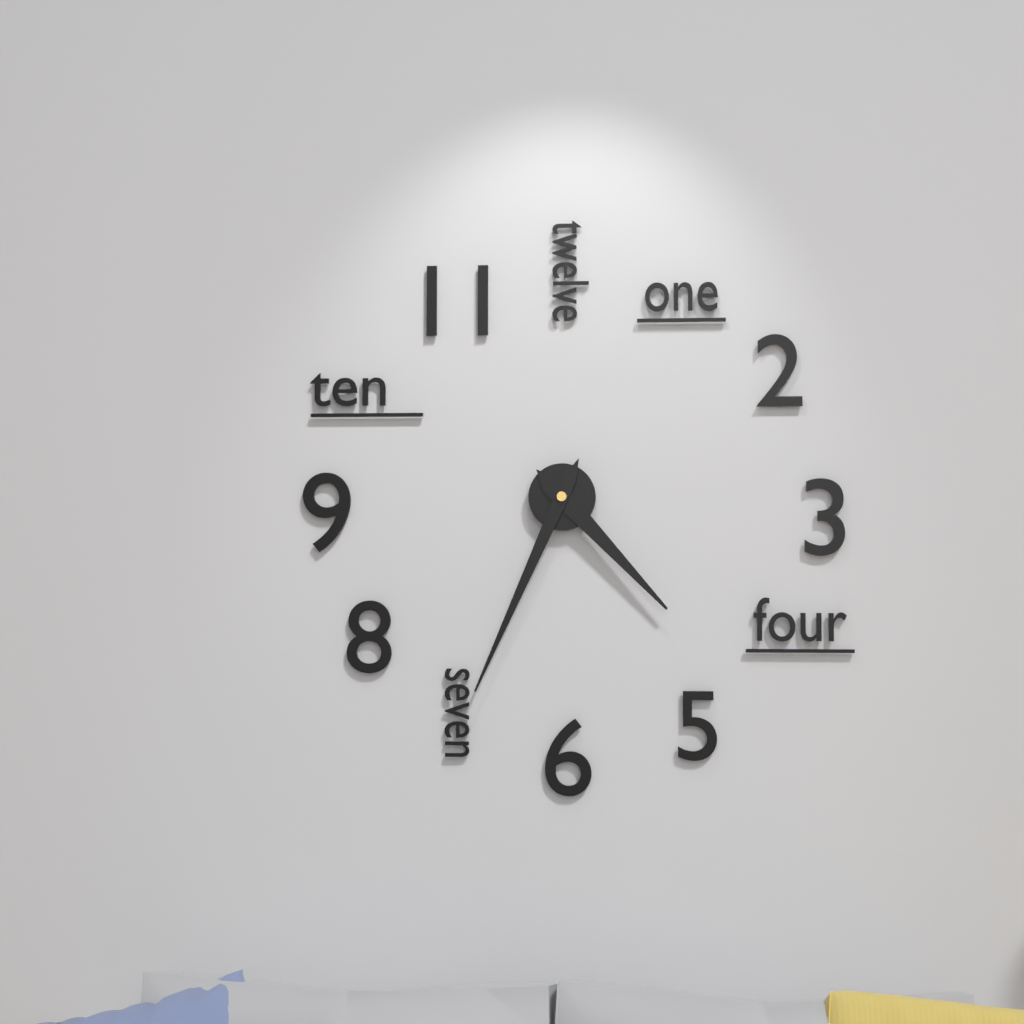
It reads 4h34
